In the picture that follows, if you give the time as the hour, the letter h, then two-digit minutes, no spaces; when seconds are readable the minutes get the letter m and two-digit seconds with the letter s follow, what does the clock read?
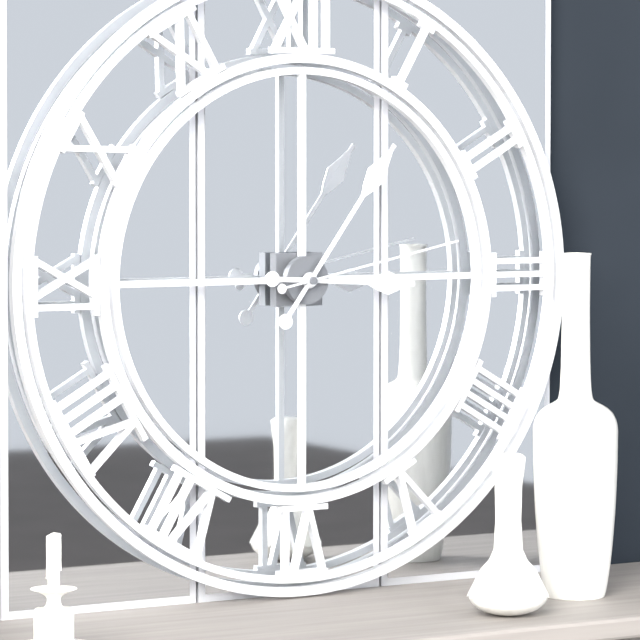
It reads 3h06m13s
